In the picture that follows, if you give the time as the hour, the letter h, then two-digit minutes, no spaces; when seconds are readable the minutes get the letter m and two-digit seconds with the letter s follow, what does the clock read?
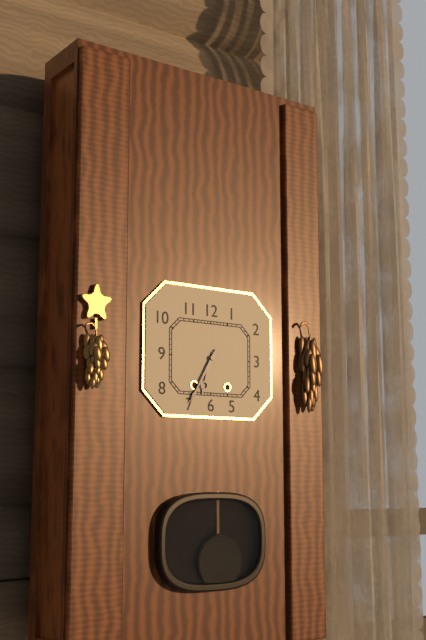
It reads 6h35
